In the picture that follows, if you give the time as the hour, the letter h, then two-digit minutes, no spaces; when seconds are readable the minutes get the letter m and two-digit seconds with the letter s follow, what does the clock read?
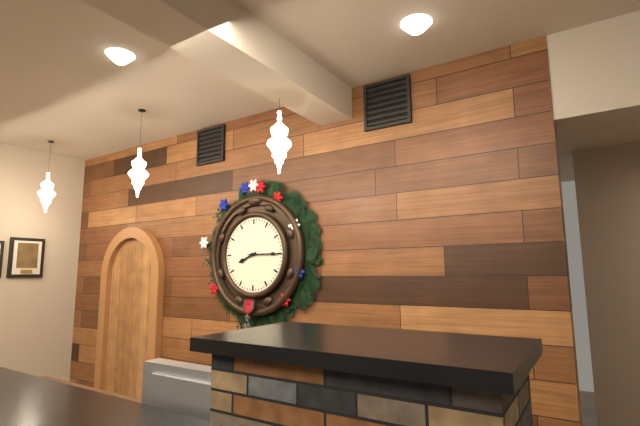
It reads 8h15
